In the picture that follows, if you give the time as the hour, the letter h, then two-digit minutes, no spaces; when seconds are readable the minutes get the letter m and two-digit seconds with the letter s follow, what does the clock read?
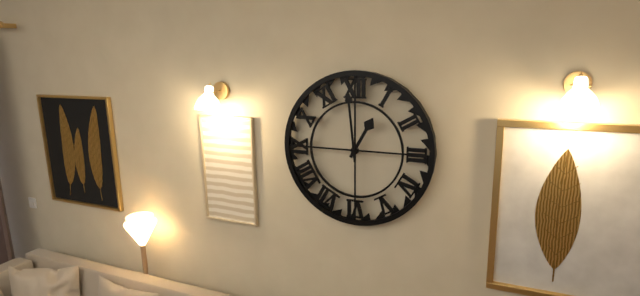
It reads 12h59
